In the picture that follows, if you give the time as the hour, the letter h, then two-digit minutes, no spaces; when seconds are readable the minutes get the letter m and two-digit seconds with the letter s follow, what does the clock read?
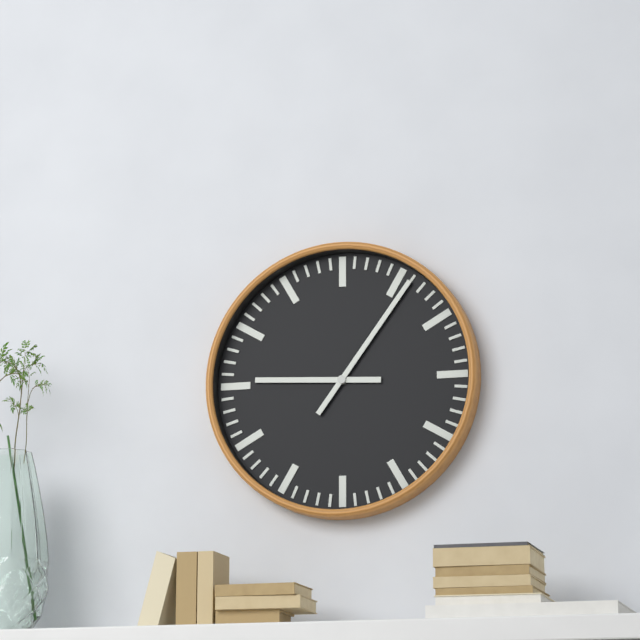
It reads 9h06
